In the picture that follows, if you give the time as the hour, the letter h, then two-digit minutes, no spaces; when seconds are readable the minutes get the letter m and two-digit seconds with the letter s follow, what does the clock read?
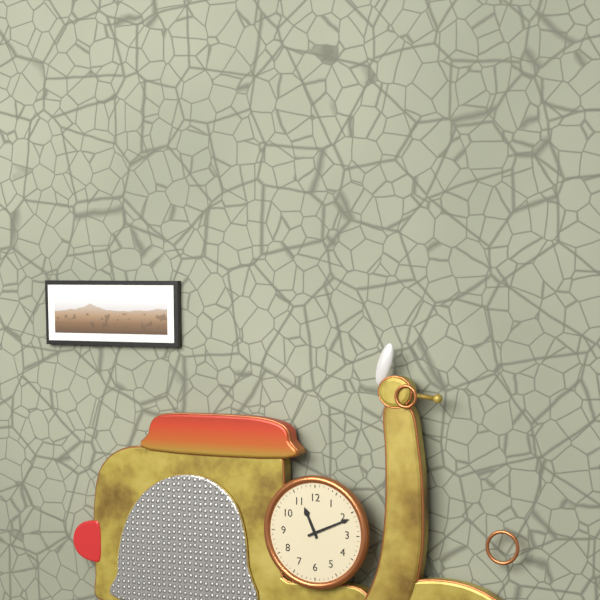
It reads 11h11
